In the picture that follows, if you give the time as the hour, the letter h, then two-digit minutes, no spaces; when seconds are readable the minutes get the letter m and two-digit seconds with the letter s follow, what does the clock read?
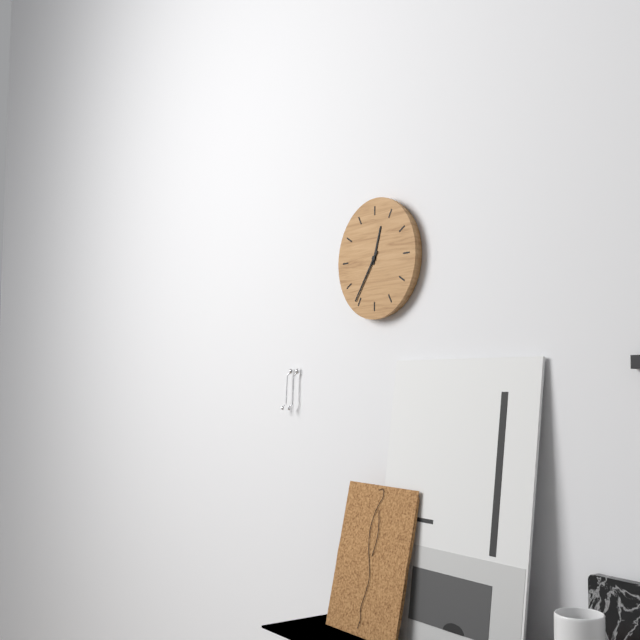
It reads 12h36
